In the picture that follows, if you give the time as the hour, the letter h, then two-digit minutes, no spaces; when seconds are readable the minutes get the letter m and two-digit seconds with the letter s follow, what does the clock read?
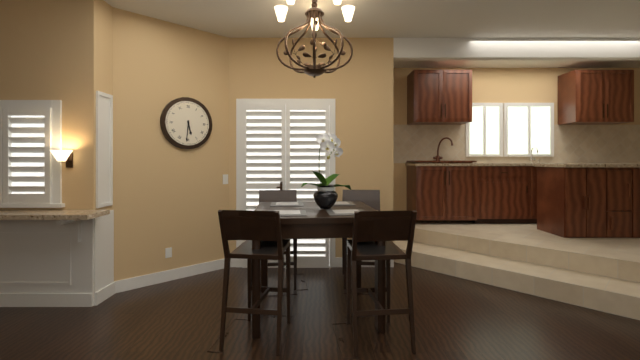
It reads 5h31
